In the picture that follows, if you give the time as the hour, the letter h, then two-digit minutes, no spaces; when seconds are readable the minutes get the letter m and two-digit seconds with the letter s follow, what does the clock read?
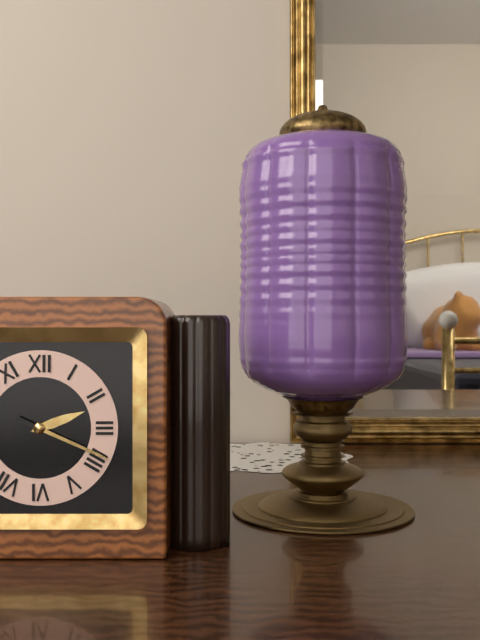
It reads 2h19
